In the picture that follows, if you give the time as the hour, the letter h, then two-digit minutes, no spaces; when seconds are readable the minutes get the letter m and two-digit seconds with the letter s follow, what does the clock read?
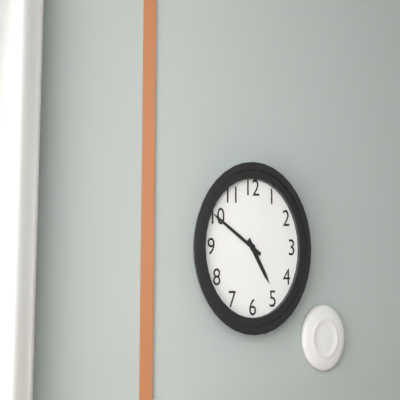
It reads 4h50
